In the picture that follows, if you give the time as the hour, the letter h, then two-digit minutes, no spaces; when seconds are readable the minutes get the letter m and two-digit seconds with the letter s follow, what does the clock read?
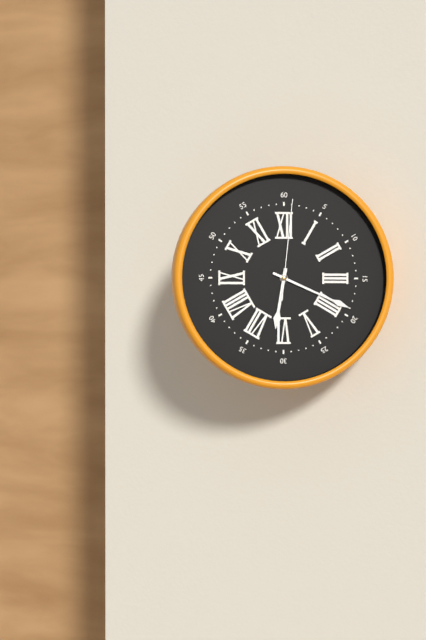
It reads 6h19m01s
